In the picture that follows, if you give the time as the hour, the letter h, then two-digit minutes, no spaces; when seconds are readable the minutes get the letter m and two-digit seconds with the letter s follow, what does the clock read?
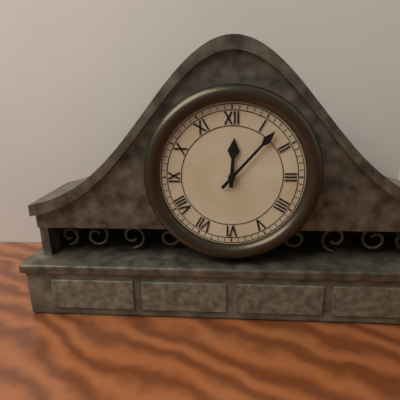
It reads 12h07
